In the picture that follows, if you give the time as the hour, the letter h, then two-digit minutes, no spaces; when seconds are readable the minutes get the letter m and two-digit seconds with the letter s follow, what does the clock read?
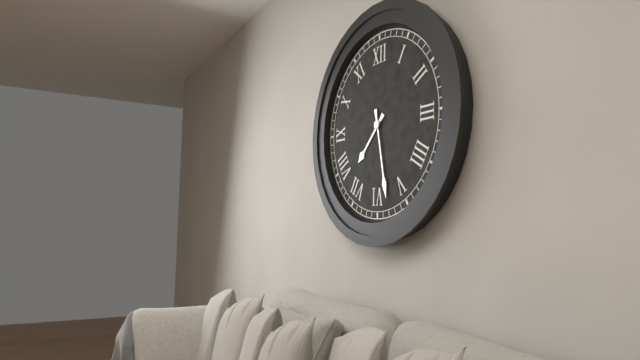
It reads 7h28
